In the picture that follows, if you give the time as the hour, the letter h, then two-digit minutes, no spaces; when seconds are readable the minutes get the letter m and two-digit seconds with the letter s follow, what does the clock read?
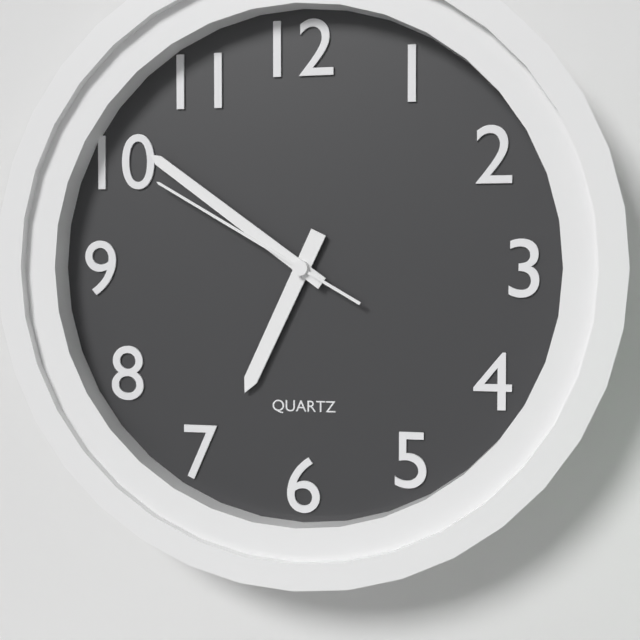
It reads 6h51m50s
